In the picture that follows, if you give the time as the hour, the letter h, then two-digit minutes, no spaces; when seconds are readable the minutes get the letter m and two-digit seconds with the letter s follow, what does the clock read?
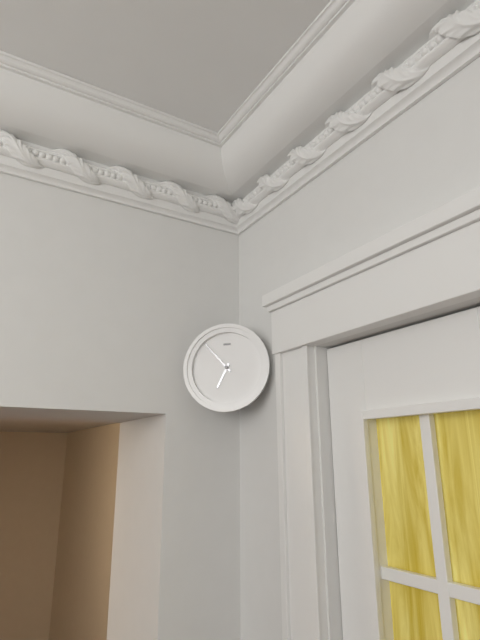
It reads 6h53
